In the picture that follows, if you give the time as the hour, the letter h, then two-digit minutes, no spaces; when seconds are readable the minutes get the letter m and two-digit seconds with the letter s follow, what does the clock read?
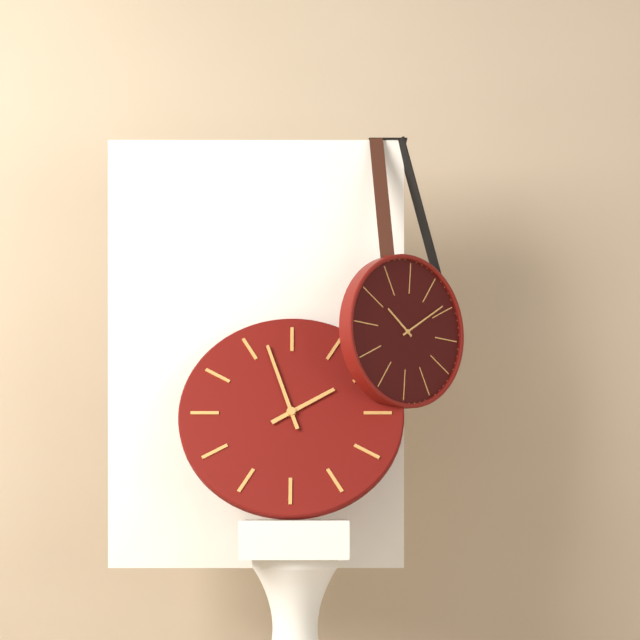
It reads 1h57
